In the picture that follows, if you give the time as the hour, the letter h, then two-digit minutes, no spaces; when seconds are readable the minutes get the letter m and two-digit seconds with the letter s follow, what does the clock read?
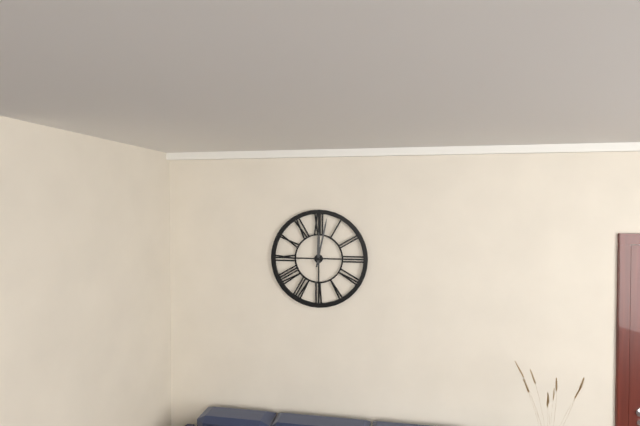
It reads 12h02
